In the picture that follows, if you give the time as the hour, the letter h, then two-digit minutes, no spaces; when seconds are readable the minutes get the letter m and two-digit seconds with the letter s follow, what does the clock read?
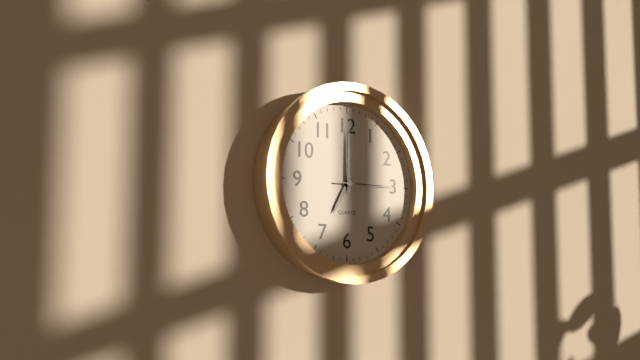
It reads 7h00m15s
